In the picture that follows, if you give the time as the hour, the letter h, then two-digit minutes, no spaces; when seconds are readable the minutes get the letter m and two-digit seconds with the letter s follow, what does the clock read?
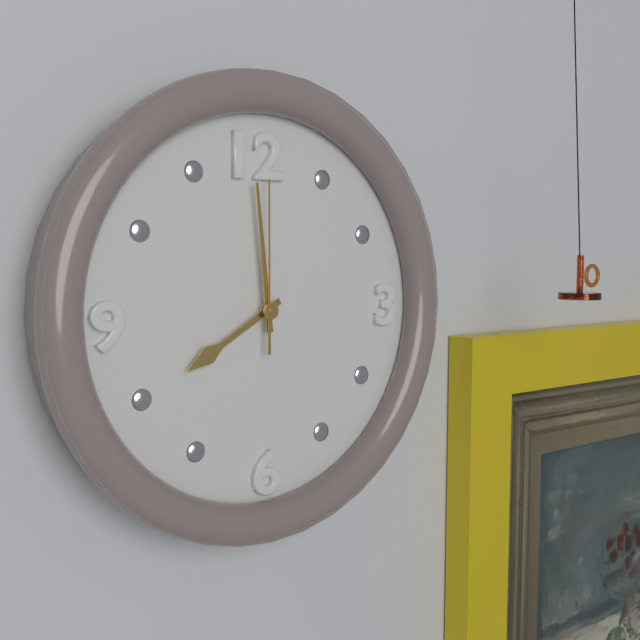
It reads 7h59m00s
